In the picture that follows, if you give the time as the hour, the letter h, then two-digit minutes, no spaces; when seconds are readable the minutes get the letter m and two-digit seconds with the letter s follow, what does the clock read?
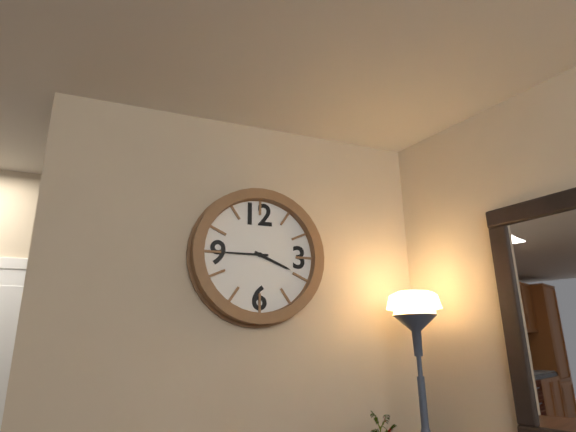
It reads 3h45
